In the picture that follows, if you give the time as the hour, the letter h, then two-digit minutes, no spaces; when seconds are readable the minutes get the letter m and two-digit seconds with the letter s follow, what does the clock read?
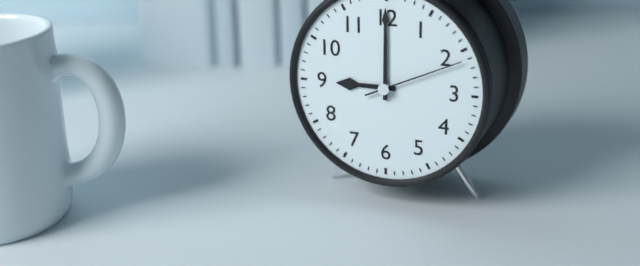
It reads 9h00m11s
